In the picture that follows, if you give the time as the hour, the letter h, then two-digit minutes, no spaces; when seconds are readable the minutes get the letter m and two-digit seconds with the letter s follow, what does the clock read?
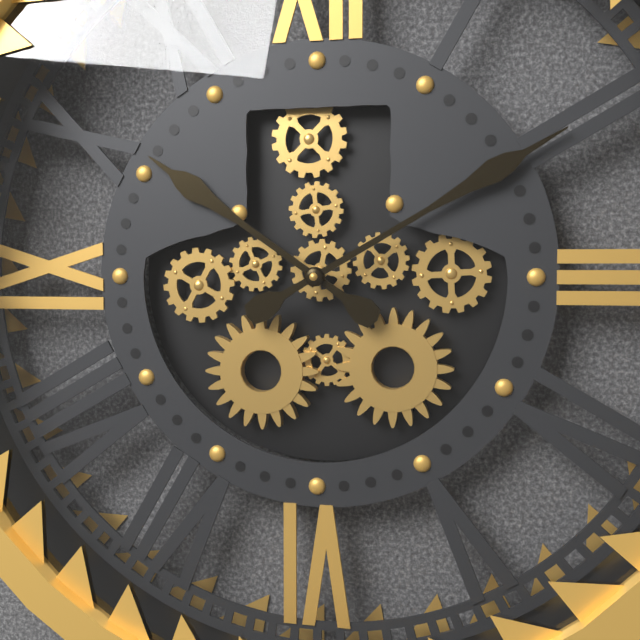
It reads 10h10
